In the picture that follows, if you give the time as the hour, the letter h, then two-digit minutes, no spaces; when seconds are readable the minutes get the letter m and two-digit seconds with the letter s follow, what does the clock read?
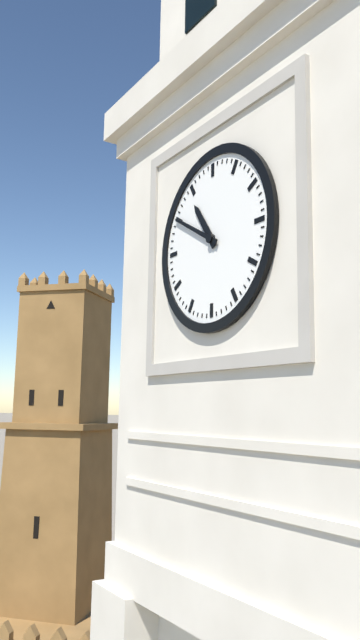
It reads 10h50
